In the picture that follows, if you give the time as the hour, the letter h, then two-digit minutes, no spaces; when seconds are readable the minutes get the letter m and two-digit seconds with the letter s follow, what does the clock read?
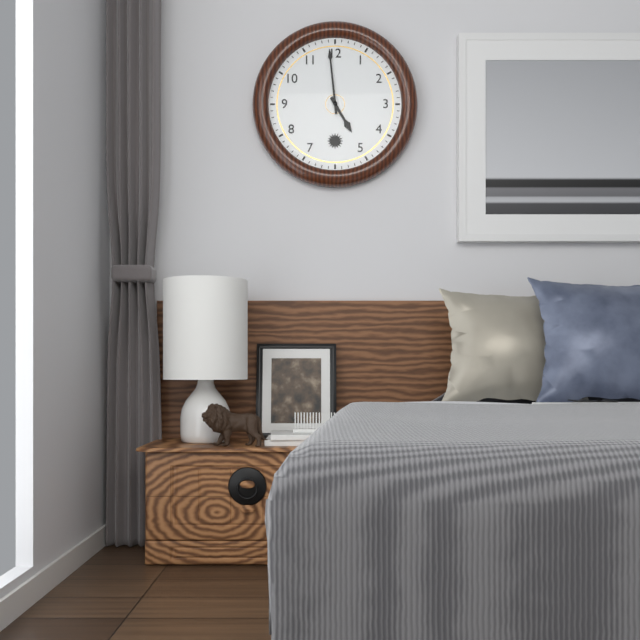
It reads 4h59
